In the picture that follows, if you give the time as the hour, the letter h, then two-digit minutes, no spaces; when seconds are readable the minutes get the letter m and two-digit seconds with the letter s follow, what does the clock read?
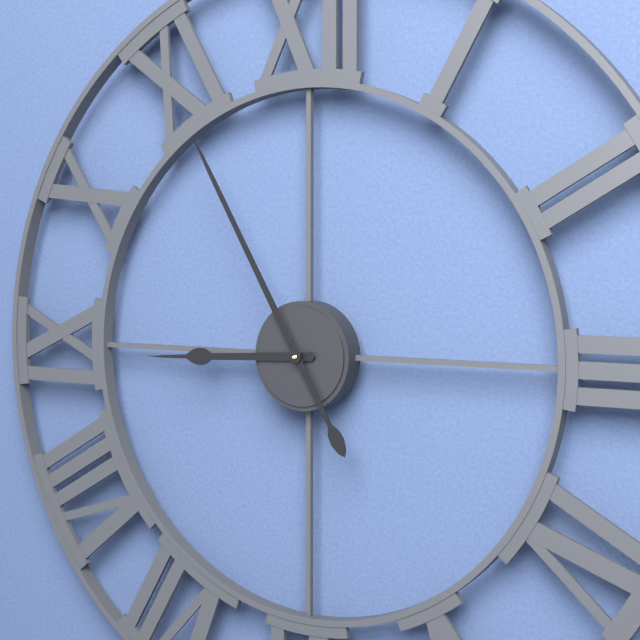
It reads 8h55
